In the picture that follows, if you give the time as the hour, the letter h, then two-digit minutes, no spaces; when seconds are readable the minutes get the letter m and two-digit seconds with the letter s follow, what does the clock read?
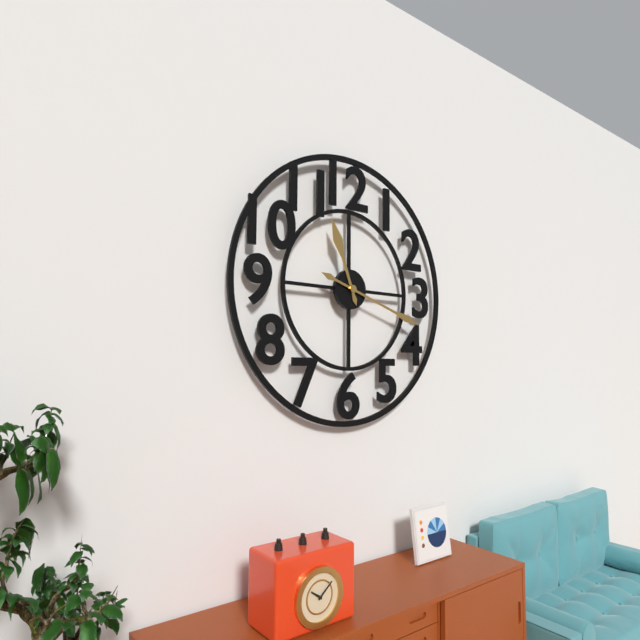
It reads 11h18
